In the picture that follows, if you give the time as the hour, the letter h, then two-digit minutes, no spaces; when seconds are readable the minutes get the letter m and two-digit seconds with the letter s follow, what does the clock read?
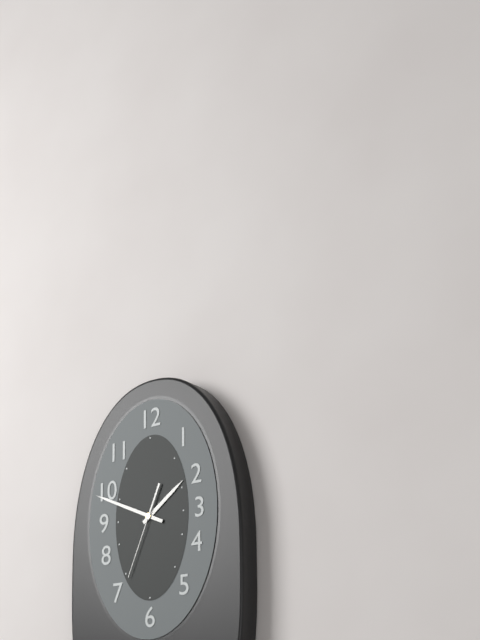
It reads 1h49m34s
